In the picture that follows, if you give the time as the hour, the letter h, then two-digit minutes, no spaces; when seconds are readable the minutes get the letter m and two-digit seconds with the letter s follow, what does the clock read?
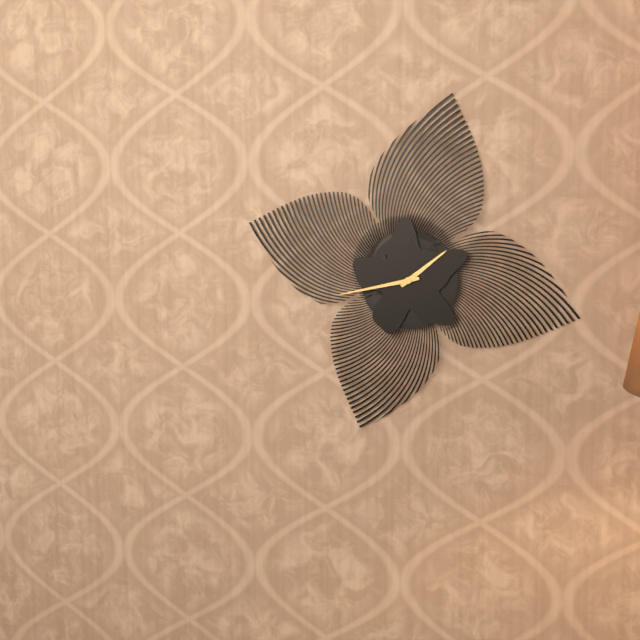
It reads 1h43
